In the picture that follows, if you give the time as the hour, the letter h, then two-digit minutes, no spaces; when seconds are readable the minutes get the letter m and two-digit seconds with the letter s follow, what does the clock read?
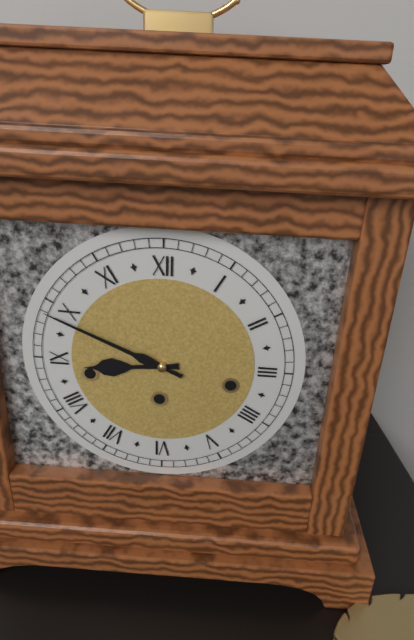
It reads 8h49
